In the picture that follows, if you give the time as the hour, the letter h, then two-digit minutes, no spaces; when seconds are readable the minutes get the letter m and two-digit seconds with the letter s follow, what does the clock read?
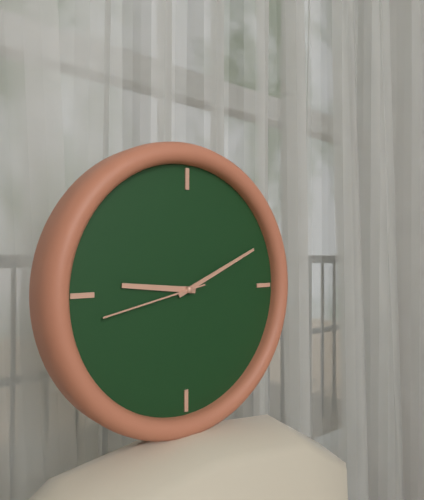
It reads 9h11m43s
